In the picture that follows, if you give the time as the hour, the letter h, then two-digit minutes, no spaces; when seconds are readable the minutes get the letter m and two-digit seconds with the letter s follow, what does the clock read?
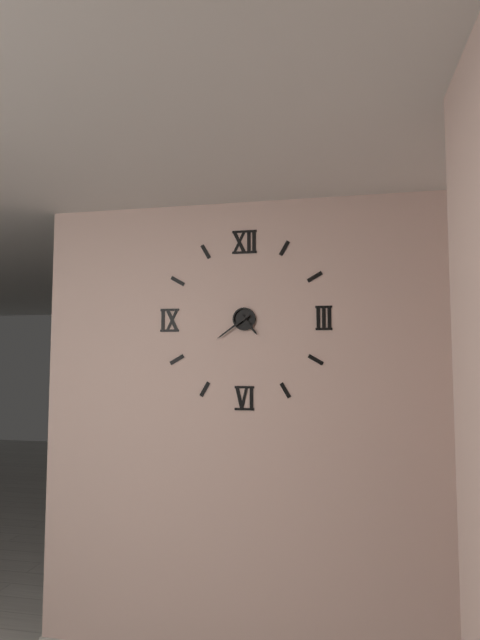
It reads 4h39
